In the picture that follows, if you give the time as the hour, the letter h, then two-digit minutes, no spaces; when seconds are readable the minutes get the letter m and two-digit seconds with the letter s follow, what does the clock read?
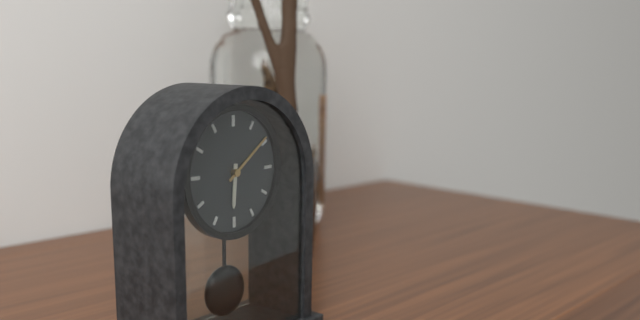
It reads 6h09
